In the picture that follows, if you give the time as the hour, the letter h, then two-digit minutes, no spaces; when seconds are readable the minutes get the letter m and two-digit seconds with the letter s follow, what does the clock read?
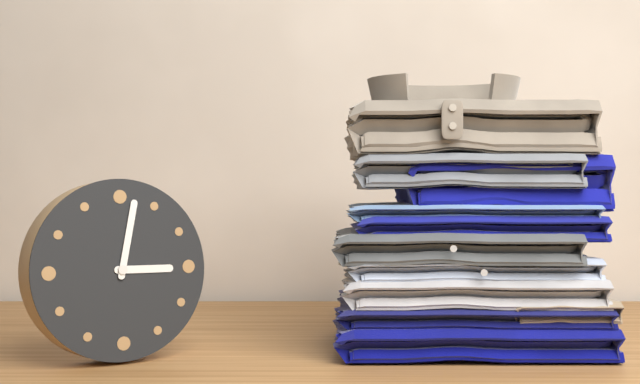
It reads 3h02
